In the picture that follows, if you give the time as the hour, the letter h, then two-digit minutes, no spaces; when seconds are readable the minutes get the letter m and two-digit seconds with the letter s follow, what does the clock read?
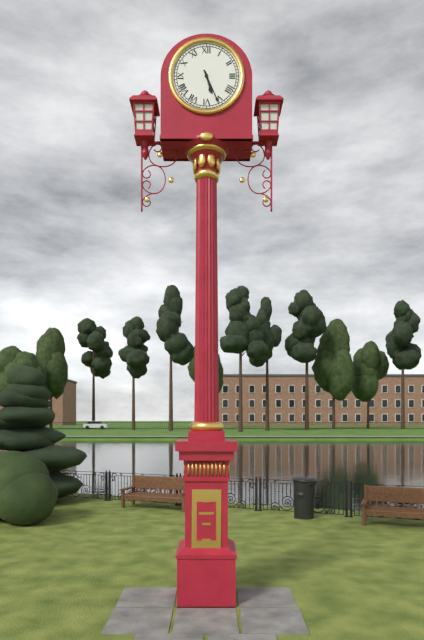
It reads 5h26
